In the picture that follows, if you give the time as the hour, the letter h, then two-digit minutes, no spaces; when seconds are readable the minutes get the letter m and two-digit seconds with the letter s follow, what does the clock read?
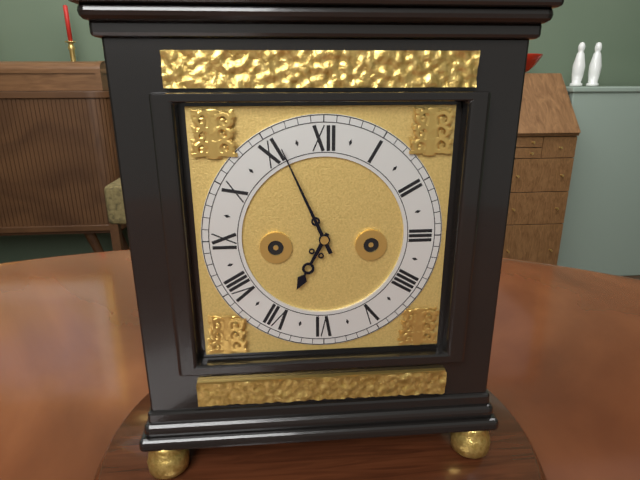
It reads 6h56
